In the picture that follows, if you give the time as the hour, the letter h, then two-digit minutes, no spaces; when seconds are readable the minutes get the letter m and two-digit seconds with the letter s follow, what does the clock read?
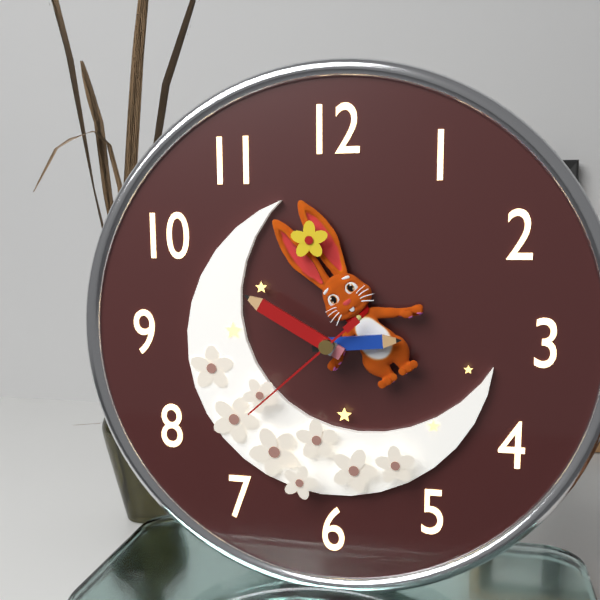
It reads 2h50m38s
